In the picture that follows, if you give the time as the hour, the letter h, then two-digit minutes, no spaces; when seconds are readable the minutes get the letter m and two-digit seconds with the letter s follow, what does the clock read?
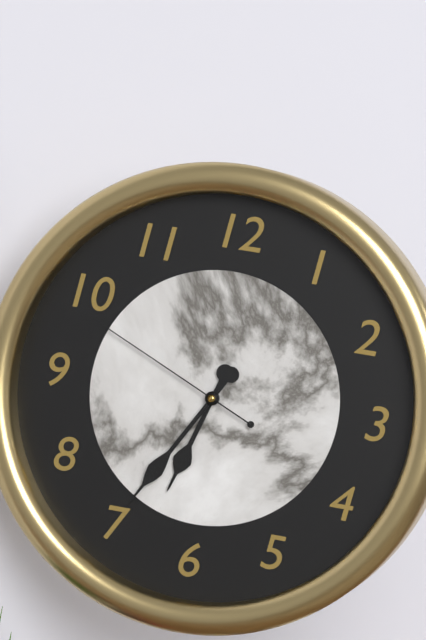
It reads 6h35m49s
